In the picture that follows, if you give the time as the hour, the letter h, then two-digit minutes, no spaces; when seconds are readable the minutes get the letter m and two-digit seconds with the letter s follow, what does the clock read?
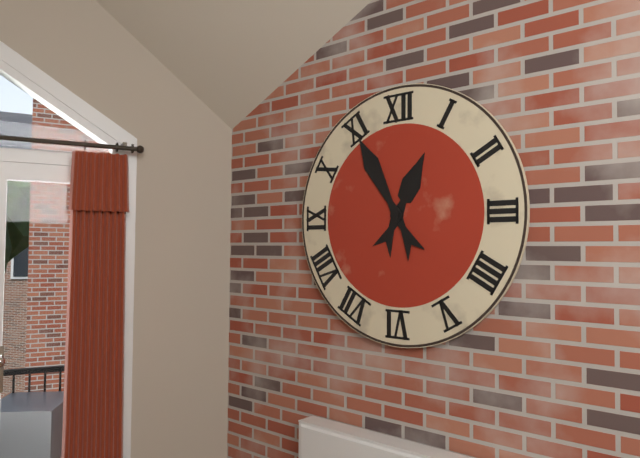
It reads 12h55
